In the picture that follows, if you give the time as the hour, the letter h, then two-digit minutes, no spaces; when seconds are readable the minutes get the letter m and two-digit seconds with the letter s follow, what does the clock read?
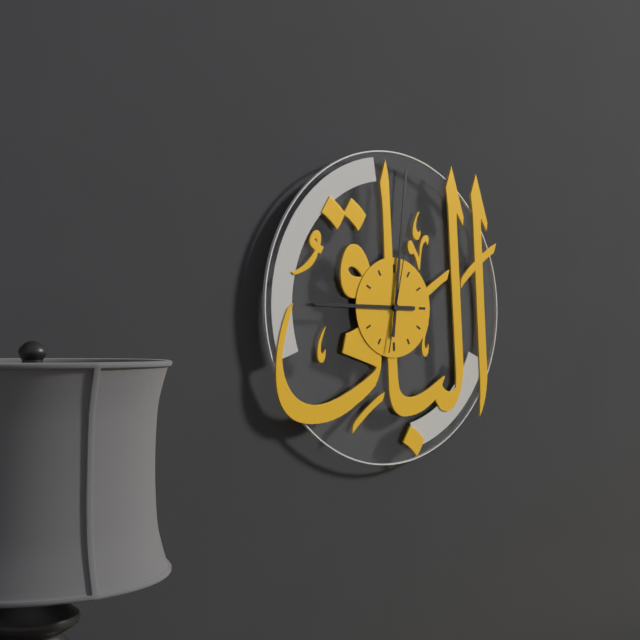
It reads 9h01m02s
